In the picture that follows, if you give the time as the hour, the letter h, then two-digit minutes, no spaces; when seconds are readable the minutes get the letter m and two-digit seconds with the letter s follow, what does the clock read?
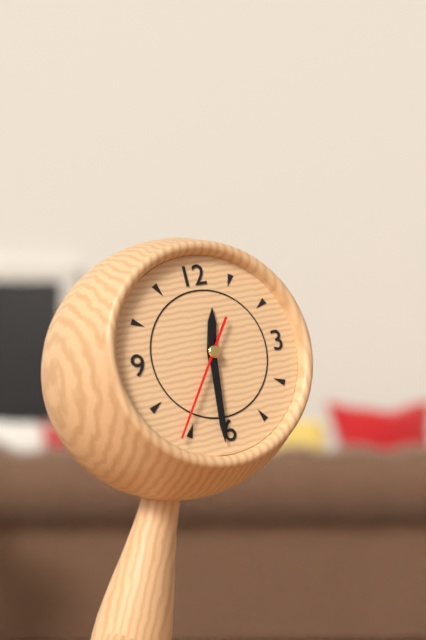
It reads 12h31m36s
